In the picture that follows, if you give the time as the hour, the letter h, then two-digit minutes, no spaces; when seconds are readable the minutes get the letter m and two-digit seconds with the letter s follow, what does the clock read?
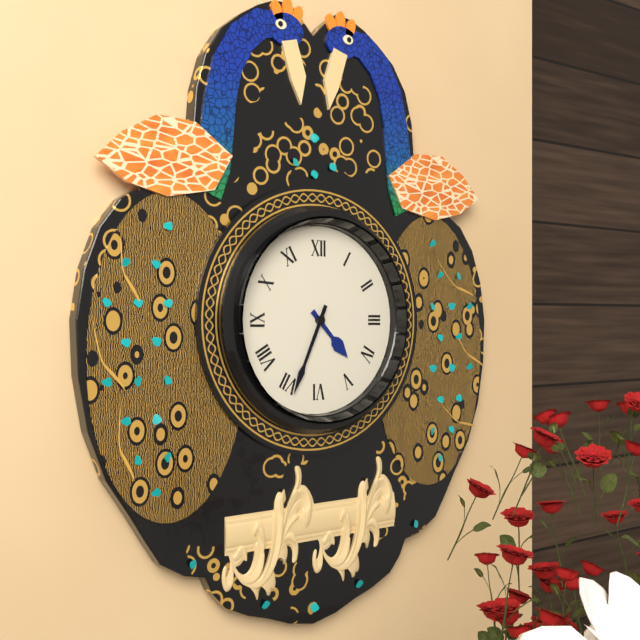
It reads 4h34
